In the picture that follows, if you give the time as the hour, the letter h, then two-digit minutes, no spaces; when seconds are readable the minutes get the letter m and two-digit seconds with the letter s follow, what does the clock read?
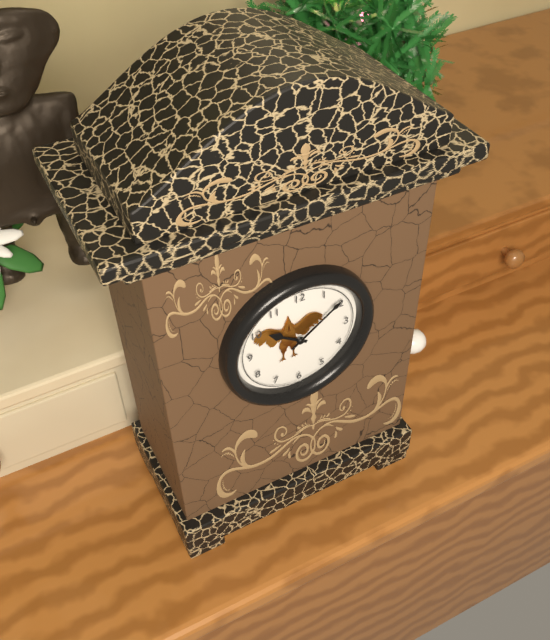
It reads 10h09
